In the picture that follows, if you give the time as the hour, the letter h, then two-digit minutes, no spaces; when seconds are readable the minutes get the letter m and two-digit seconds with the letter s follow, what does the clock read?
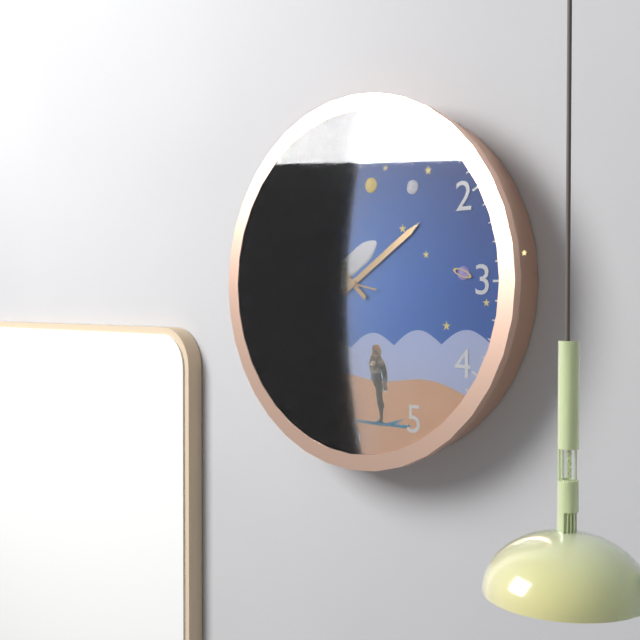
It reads 1h52m47s
